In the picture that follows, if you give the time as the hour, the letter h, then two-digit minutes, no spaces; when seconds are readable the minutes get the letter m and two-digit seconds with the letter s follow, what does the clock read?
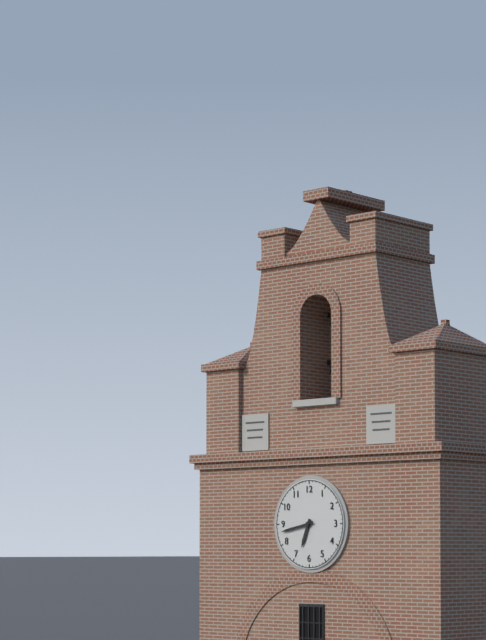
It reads 6h43
